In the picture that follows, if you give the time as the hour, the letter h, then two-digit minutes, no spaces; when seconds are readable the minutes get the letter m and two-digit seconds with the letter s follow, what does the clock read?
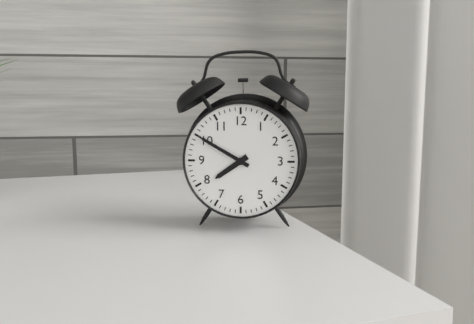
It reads 7h50
